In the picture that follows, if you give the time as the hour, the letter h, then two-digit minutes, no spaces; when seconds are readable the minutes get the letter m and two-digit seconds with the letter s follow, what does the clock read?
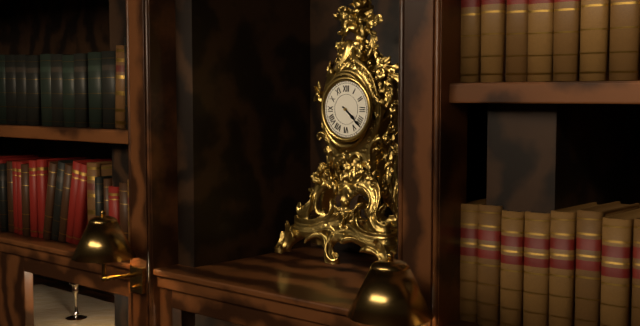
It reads 4h22
